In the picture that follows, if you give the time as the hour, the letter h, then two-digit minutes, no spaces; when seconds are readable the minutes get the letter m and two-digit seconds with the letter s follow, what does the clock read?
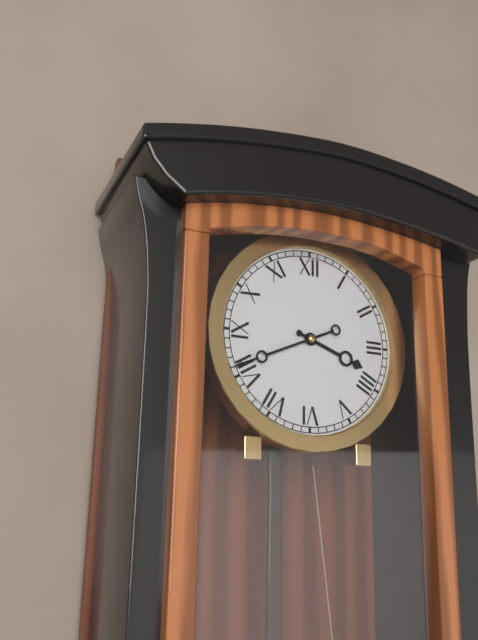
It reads 3h41
